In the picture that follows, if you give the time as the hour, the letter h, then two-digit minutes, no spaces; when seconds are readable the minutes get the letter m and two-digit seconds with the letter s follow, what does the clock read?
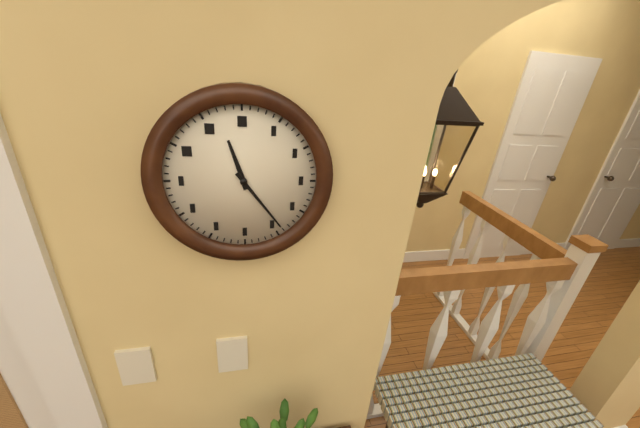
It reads 11h24
